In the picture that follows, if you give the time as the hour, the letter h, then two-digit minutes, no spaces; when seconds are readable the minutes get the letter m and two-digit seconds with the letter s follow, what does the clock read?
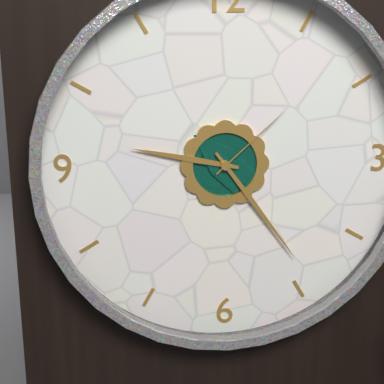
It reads 9h24m08s
